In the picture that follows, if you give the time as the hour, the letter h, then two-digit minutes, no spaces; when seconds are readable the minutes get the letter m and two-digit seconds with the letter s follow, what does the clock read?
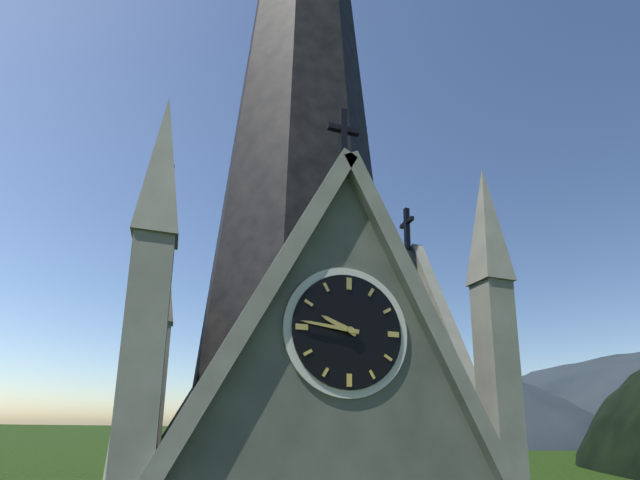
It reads 9h46
